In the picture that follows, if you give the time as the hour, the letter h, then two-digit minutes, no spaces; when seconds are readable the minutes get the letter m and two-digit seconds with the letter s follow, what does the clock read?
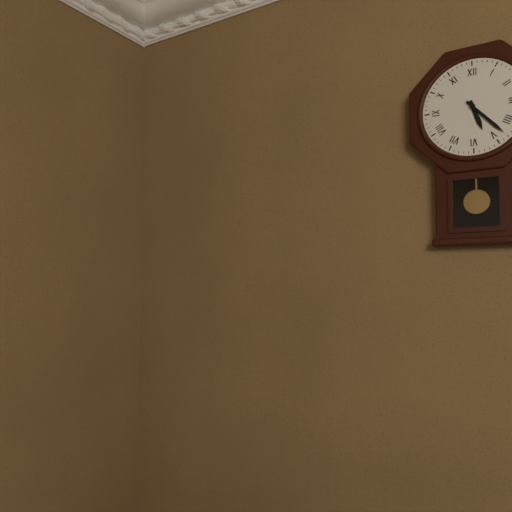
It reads 5h23
